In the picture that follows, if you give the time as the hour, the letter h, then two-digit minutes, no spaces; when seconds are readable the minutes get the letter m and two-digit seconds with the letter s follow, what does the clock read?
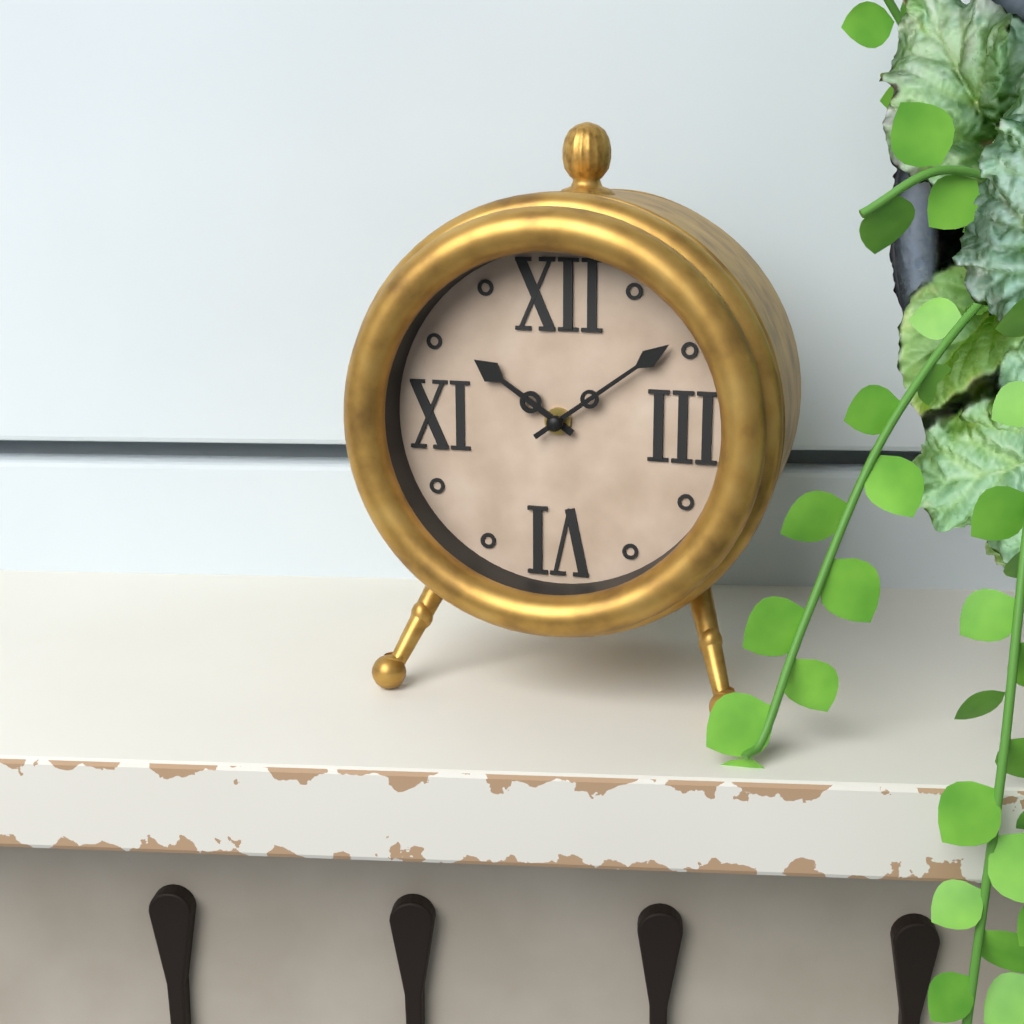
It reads 10h09
